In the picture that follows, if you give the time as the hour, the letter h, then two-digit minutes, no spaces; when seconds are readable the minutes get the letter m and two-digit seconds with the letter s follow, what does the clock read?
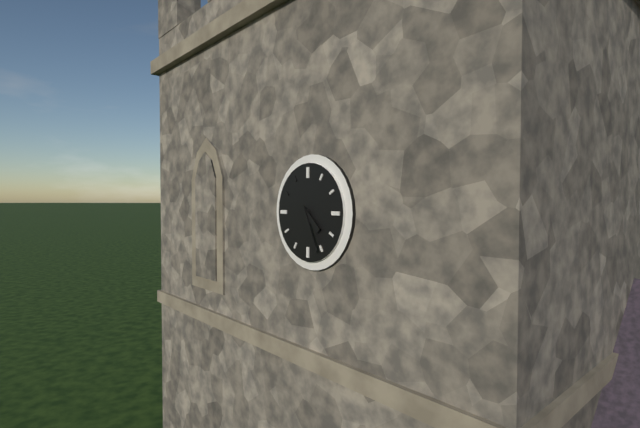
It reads 4h26
